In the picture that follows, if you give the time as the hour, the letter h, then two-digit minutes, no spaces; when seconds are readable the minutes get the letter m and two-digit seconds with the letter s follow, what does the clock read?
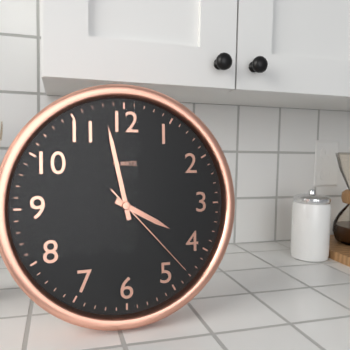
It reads 3h58m23s
